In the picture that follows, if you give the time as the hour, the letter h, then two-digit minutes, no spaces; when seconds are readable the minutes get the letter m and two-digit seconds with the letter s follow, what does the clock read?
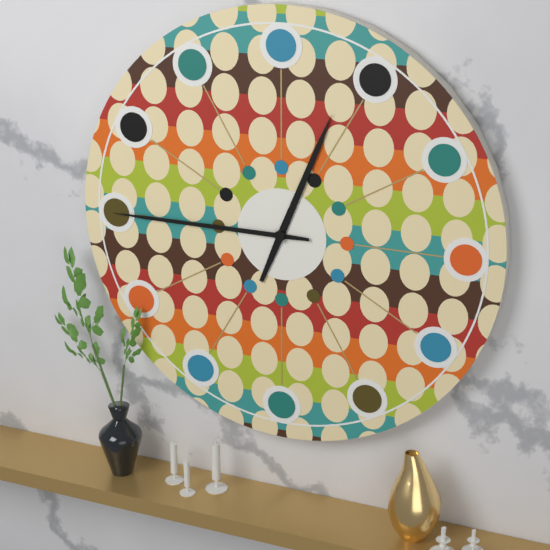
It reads 12h45
